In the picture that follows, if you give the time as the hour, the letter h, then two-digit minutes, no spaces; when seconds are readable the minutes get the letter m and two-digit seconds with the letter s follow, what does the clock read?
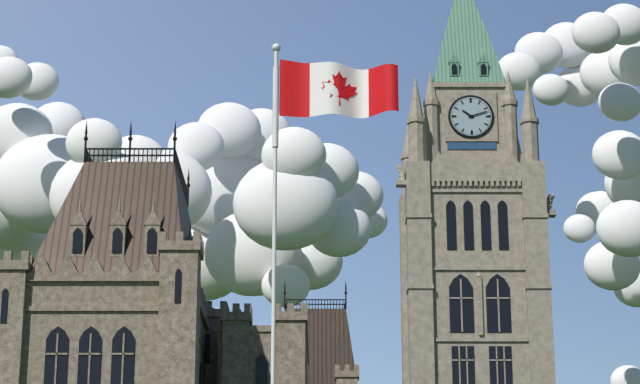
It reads 10h12
